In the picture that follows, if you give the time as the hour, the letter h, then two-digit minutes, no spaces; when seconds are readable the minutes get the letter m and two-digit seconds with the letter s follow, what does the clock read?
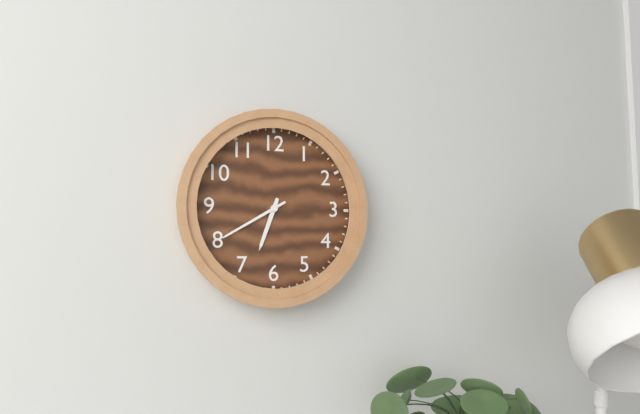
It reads 6h40
